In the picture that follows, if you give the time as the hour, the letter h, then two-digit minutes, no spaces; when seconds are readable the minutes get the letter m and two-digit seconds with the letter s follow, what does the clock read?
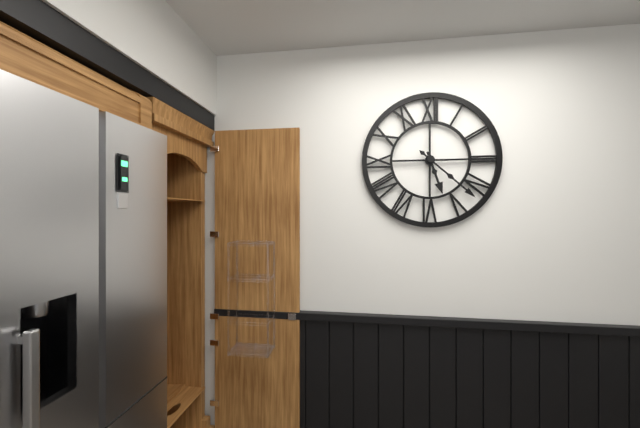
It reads 5h22
